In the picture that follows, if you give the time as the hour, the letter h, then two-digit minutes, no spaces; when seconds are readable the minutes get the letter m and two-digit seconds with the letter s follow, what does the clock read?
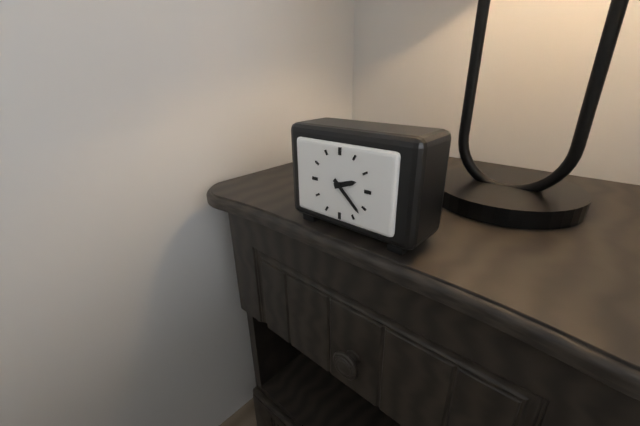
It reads 2h22
